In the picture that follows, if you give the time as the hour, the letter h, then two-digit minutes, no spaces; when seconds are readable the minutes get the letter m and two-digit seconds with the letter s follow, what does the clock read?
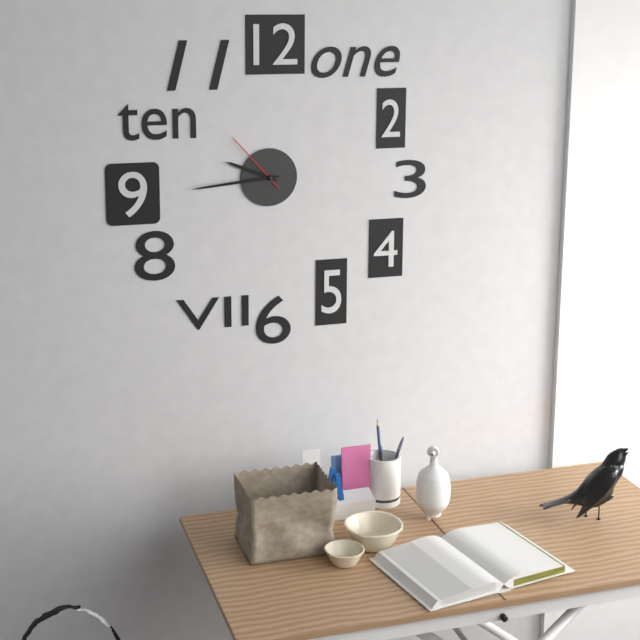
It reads 9h44m53s
